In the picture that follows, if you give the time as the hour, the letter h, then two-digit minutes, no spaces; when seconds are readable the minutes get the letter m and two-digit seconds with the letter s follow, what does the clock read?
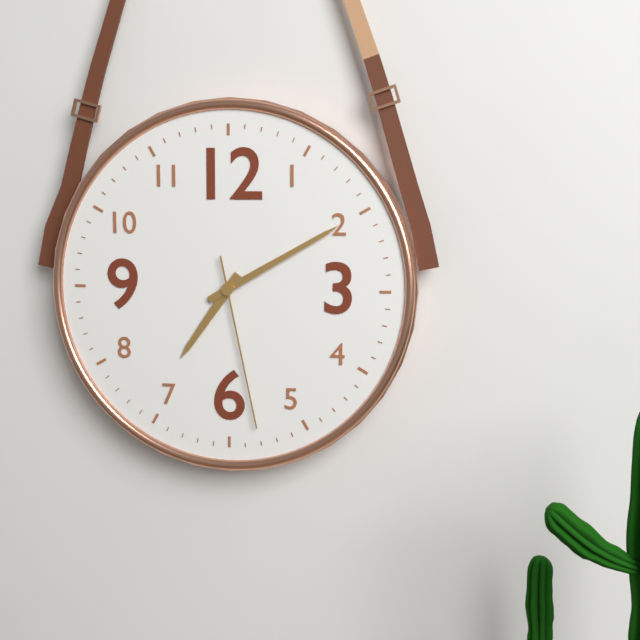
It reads 7h10m28s
